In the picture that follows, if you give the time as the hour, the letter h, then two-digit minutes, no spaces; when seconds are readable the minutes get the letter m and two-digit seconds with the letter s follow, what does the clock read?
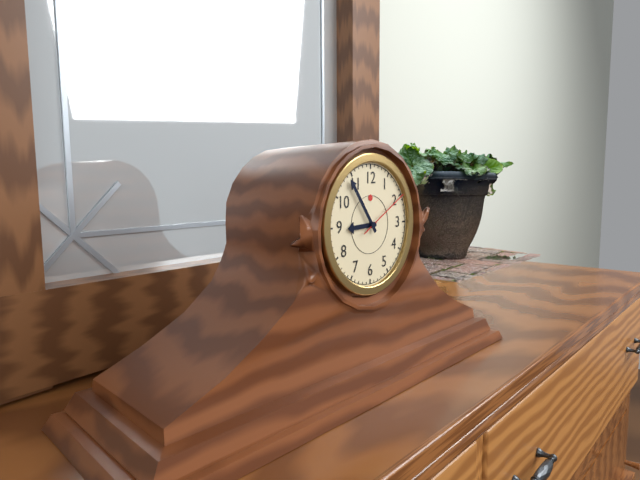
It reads 8h54m10s
